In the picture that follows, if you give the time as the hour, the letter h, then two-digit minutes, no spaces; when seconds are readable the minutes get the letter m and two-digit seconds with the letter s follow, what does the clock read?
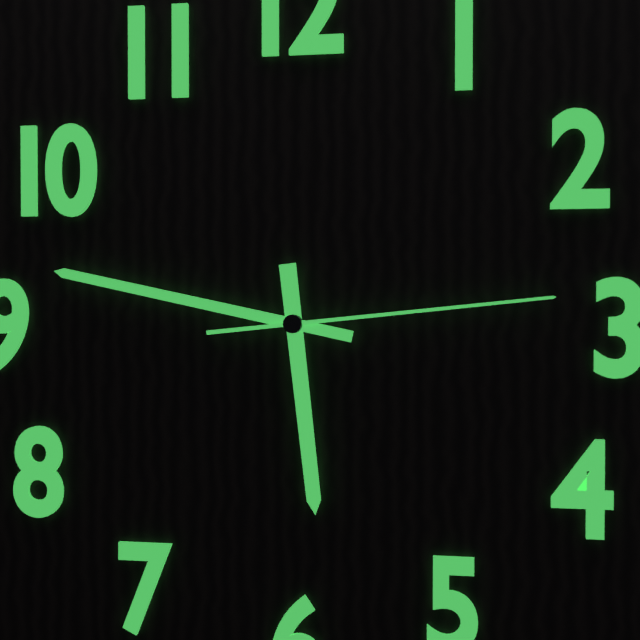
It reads 5h47m14s
